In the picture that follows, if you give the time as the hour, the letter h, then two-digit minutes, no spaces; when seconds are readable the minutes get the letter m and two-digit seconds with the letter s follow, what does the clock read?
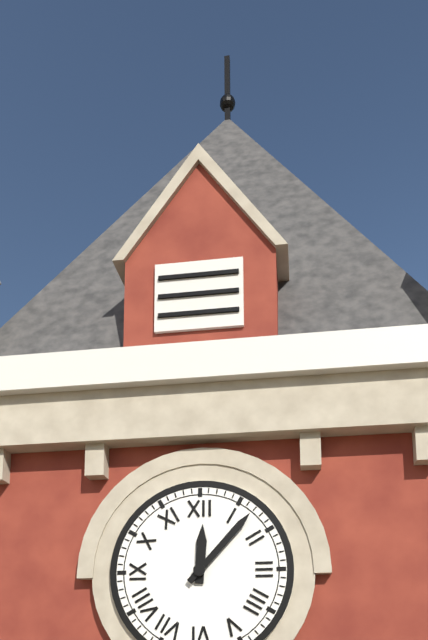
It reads 12h07
